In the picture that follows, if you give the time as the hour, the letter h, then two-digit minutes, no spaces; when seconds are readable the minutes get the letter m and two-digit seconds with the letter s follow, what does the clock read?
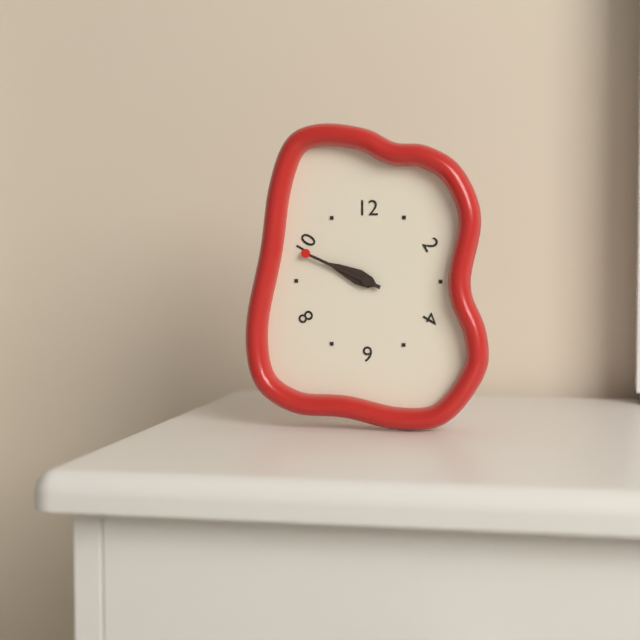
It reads 9h49
